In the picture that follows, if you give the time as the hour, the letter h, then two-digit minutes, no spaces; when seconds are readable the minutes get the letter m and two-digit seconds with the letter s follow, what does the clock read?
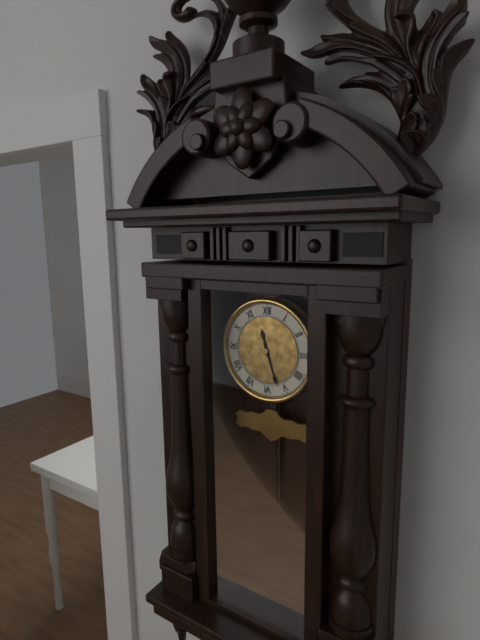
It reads 11h27
